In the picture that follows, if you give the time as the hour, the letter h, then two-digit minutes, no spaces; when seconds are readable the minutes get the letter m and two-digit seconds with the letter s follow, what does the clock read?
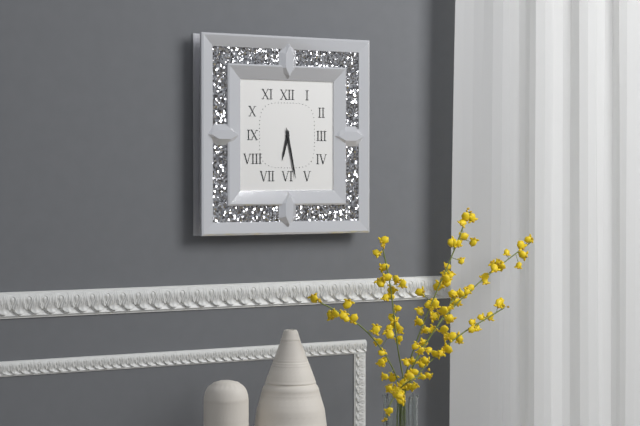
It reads 6h28
